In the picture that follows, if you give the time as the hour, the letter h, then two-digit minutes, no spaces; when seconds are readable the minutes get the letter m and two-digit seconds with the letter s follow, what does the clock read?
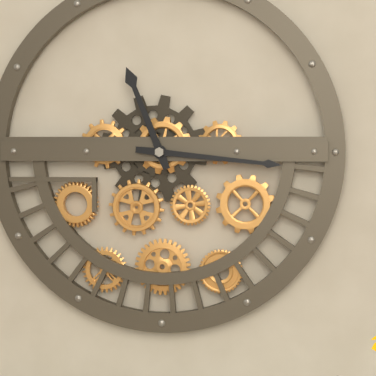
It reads 11h16
